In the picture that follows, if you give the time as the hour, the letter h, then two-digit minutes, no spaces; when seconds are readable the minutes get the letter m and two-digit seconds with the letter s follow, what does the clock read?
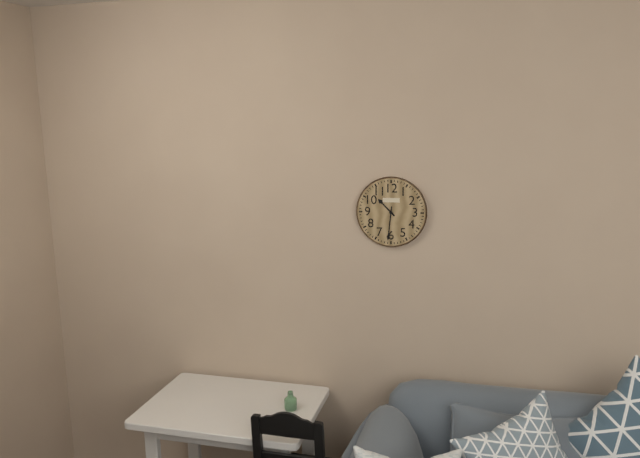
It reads 10h31
